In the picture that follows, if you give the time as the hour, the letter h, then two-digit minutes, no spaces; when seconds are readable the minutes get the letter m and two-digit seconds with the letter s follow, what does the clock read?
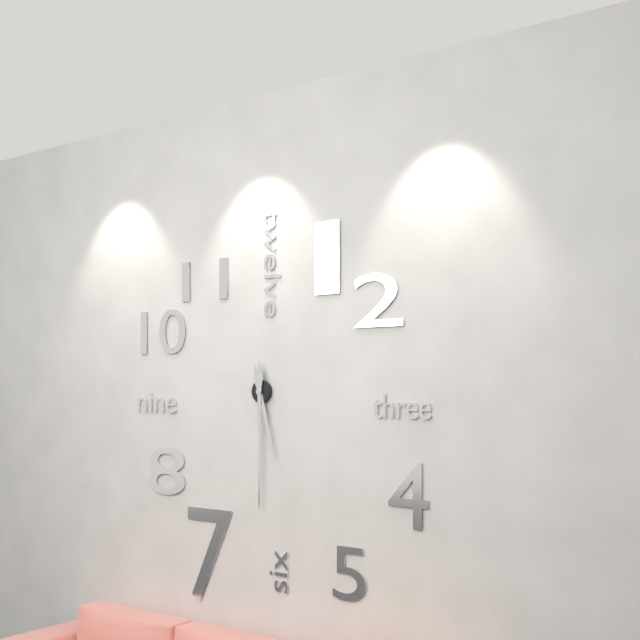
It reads 5h30
